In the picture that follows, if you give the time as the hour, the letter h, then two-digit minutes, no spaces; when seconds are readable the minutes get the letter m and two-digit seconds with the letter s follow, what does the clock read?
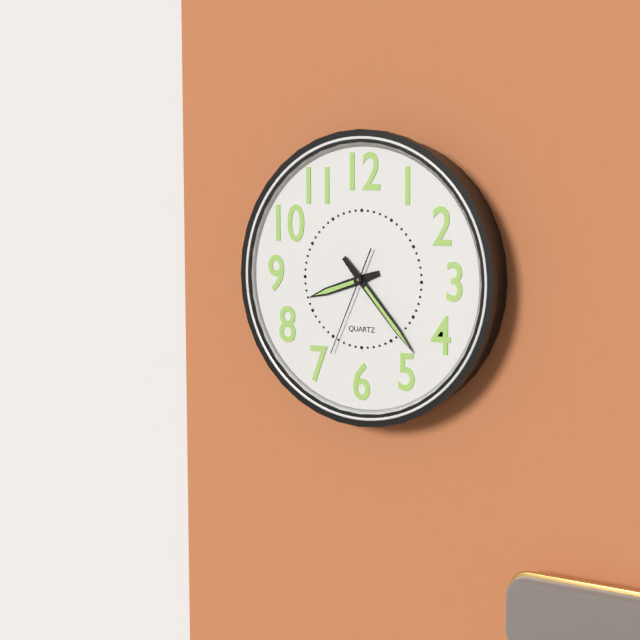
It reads 8h23m34s
